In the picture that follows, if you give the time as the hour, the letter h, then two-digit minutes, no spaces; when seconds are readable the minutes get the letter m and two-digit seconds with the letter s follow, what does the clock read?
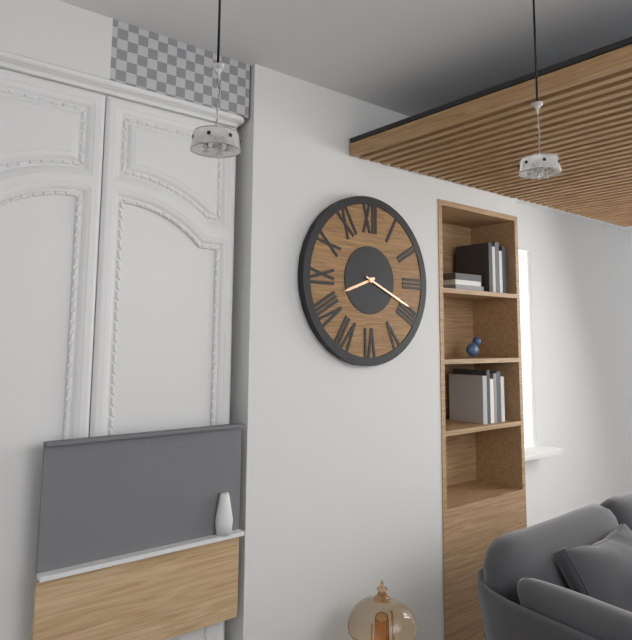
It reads 8h19
